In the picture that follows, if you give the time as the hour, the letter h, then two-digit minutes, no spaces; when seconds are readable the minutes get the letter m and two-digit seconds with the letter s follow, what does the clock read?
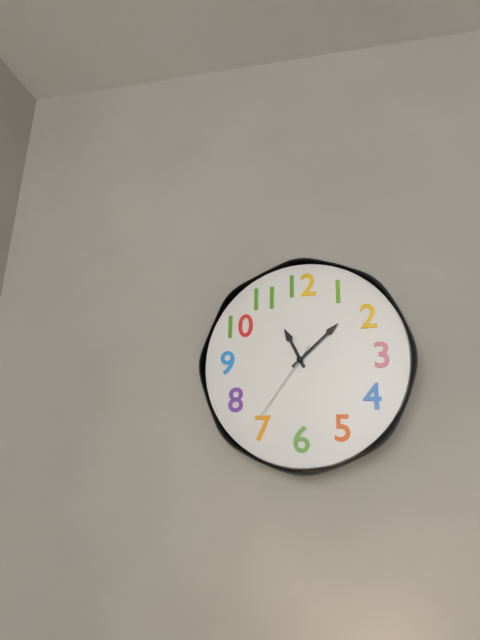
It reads 11h08m36s
